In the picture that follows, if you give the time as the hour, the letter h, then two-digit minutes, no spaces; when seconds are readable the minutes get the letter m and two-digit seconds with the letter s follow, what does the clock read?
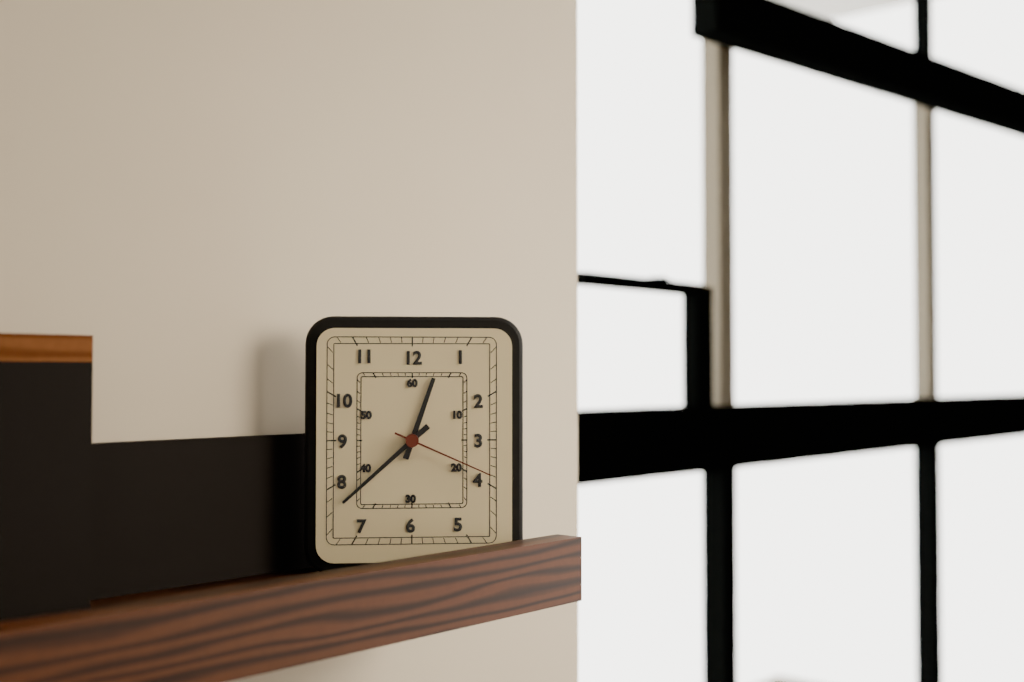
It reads 12h38m19s
